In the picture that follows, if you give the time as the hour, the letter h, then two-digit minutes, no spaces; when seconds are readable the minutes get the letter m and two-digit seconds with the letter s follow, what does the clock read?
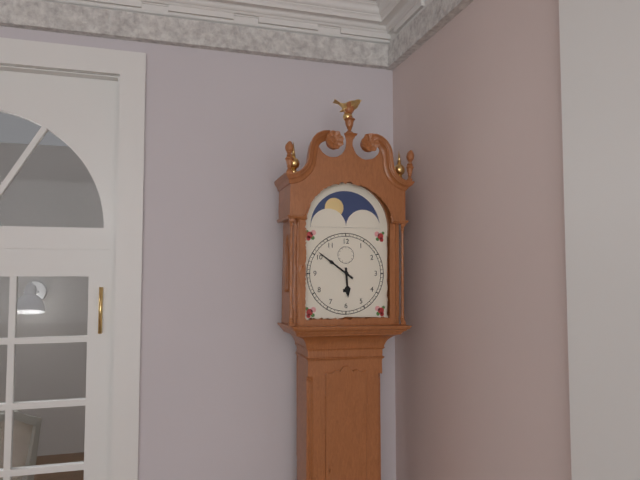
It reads 5h51
